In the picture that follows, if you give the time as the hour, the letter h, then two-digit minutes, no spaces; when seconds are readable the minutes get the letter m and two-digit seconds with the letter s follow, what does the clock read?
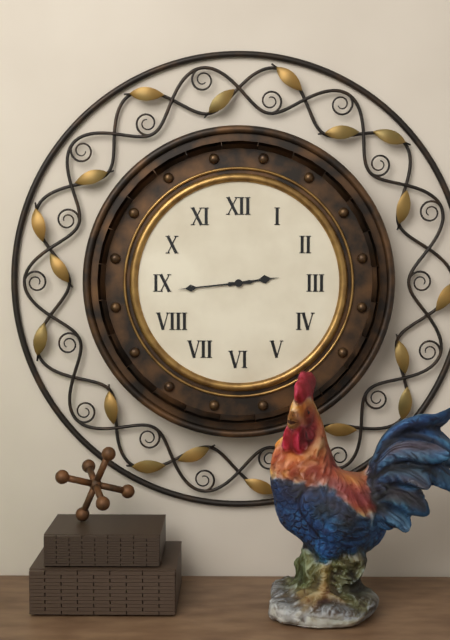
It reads 2h44
